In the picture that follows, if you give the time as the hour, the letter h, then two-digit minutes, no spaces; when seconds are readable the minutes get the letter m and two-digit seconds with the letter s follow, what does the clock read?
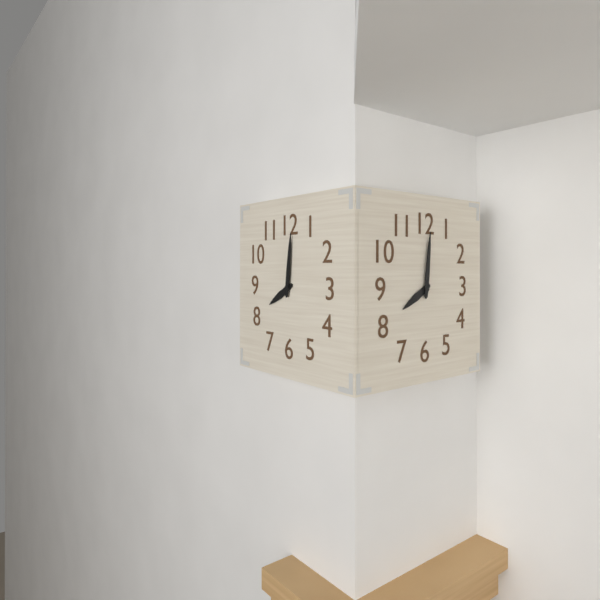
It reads 8h01
